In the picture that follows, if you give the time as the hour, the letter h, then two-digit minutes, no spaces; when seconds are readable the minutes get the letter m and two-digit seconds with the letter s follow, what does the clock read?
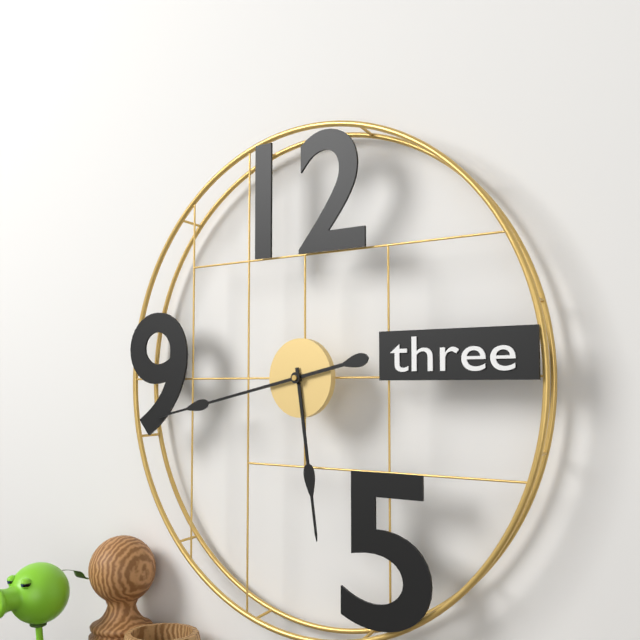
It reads 5h43
